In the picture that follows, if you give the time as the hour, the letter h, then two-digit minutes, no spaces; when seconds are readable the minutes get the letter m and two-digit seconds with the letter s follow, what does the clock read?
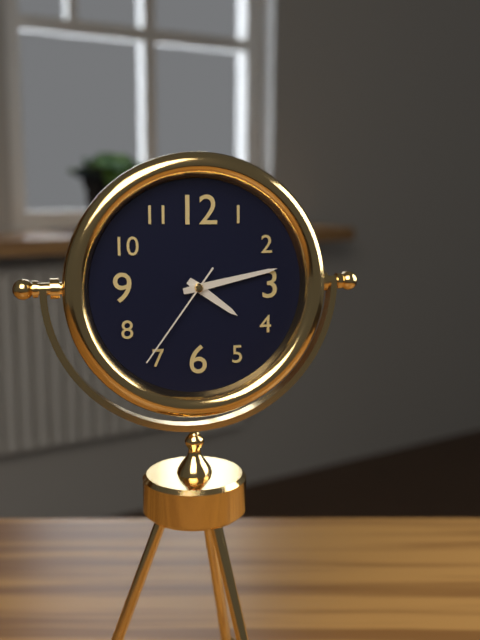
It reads 4h13m36s
